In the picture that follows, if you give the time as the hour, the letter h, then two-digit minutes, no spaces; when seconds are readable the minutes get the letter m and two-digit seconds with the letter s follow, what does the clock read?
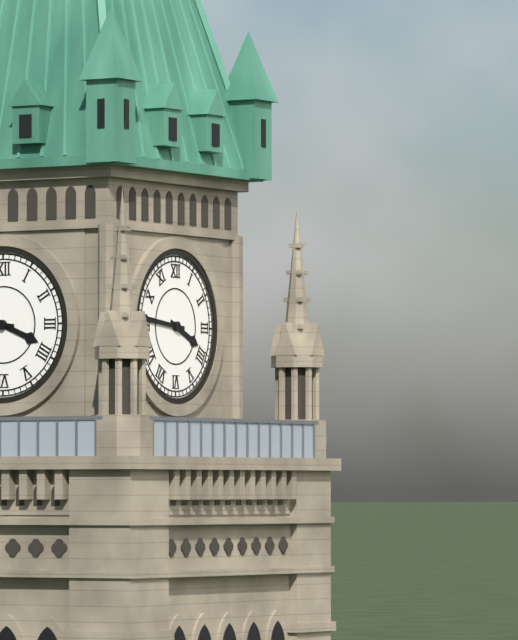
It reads 3h46
